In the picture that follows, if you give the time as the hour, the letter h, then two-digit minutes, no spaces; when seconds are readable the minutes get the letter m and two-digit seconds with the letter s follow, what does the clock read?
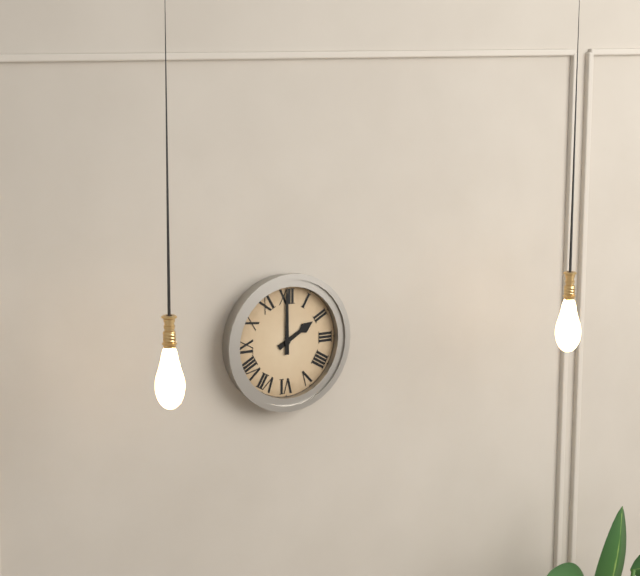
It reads 2h00
